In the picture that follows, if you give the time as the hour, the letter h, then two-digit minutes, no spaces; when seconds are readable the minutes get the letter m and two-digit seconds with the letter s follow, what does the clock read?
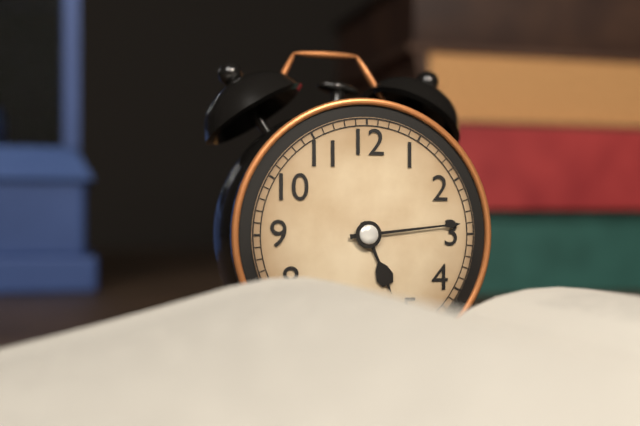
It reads 5h14
